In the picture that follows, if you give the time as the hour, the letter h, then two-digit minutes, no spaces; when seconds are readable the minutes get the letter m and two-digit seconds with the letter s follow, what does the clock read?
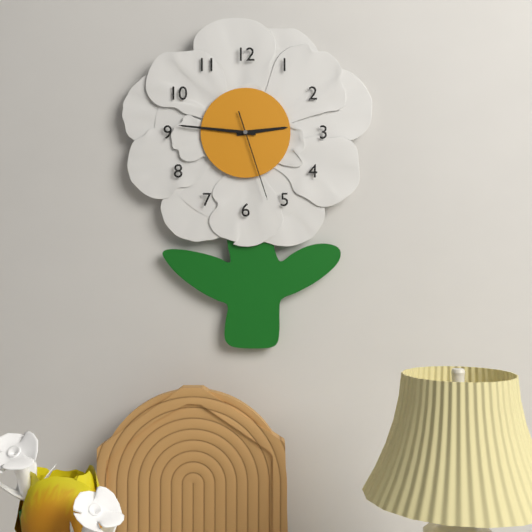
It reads 2h46m27s
